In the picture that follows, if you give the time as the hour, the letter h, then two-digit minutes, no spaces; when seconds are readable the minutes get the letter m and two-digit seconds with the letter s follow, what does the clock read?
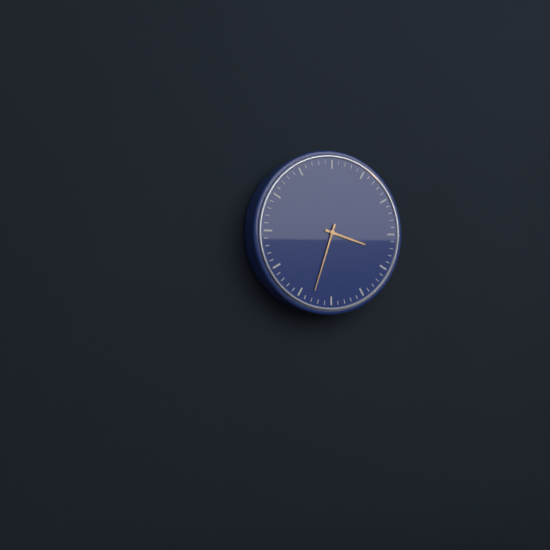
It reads 3h33
